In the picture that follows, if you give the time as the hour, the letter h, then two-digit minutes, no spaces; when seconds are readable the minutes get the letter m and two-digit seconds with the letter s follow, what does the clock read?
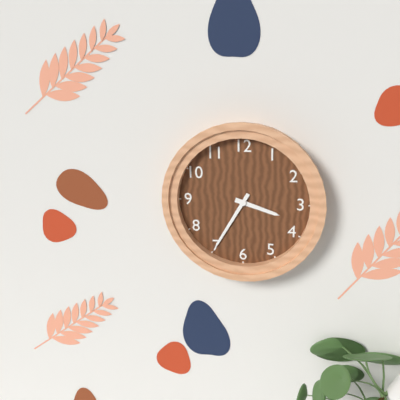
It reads 3h35
